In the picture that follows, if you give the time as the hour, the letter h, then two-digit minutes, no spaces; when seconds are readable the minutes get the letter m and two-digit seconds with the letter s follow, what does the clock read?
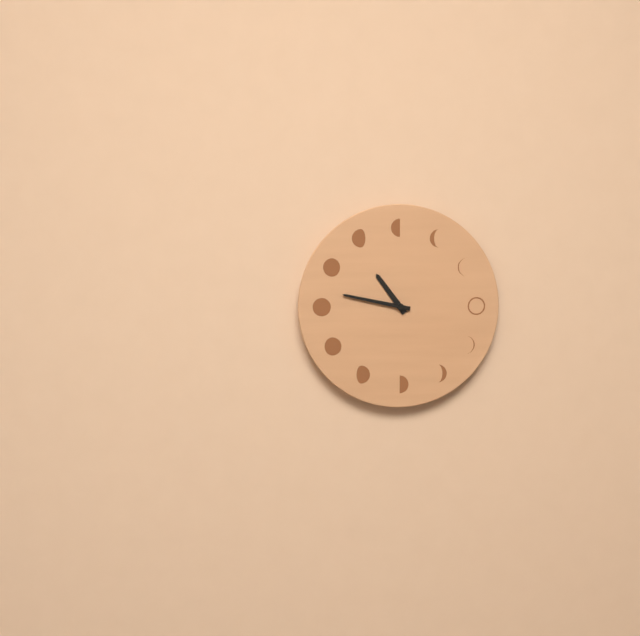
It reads 10h47
